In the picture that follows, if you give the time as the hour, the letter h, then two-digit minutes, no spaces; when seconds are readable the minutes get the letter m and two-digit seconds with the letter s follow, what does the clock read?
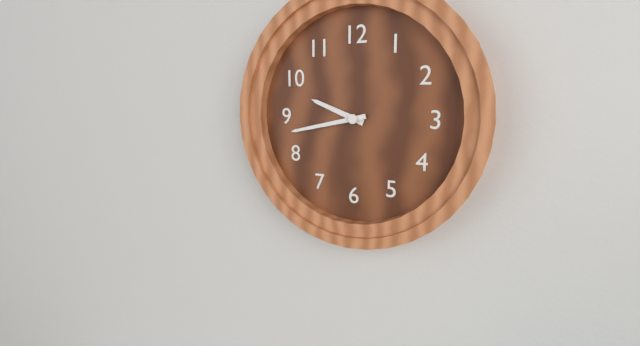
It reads 9h43
